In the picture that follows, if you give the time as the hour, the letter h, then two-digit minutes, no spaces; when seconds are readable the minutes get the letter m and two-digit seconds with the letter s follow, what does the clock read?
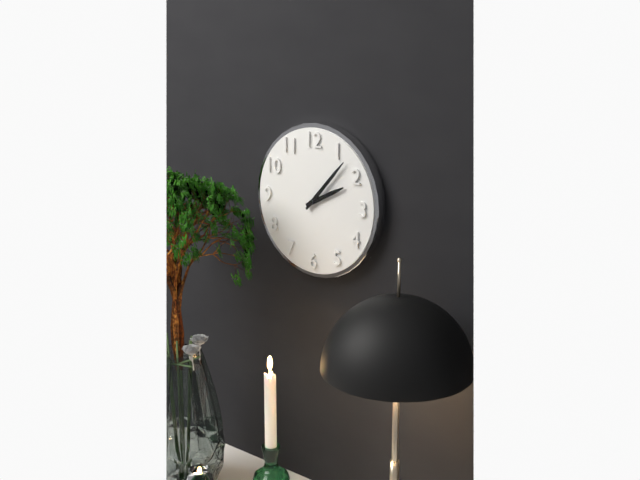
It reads 2h07
